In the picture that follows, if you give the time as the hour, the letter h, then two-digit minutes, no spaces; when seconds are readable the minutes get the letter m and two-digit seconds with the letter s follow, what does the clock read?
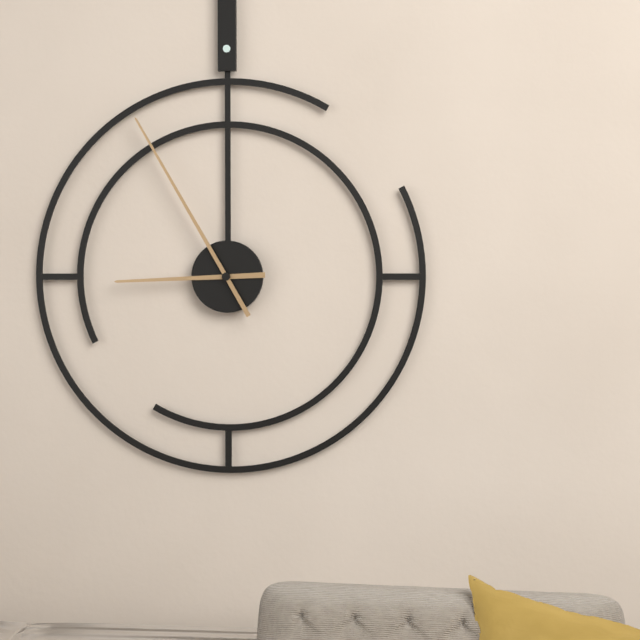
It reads 8h55
